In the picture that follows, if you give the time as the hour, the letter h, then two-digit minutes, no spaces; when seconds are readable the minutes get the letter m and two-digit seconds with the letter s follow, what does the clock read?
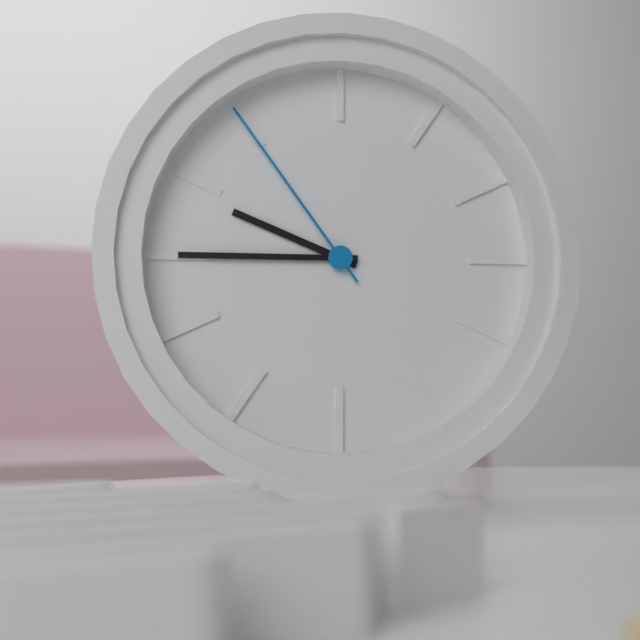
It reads 9h45m54s
